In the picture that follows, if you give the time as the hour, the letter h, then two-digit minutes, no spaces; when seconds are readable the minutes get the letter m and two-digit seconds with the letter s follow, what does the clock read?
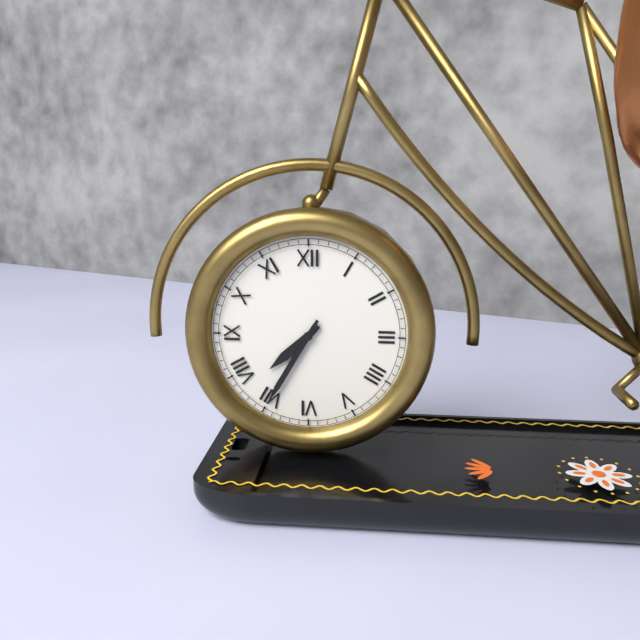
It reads 7h35
